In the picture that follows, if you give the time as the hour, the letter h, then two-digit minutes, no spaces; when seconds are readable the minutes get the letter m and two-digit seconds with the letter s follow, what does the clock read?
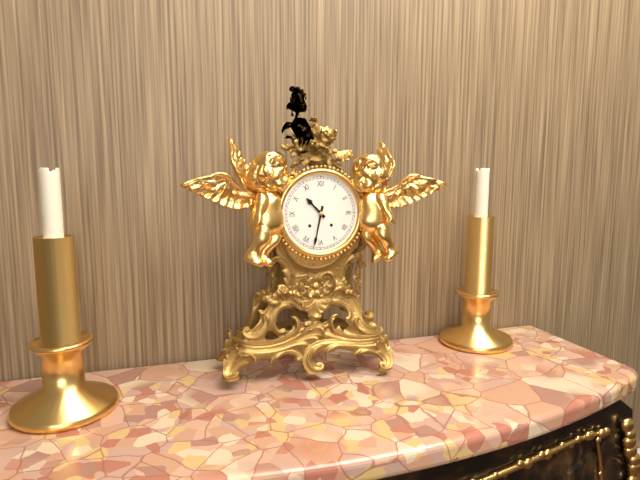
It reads 10h32
